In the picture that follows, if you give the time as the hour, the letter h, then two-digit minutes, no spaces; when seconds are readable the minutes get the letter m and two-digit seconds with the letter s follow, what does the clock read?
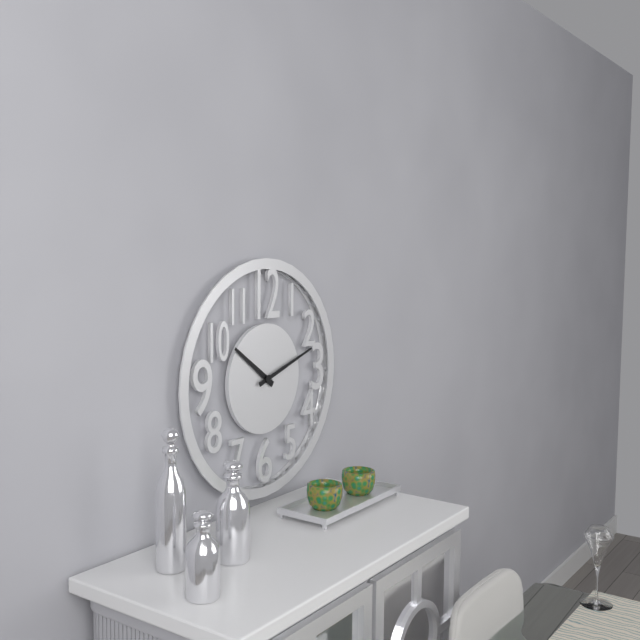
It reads 10h12
